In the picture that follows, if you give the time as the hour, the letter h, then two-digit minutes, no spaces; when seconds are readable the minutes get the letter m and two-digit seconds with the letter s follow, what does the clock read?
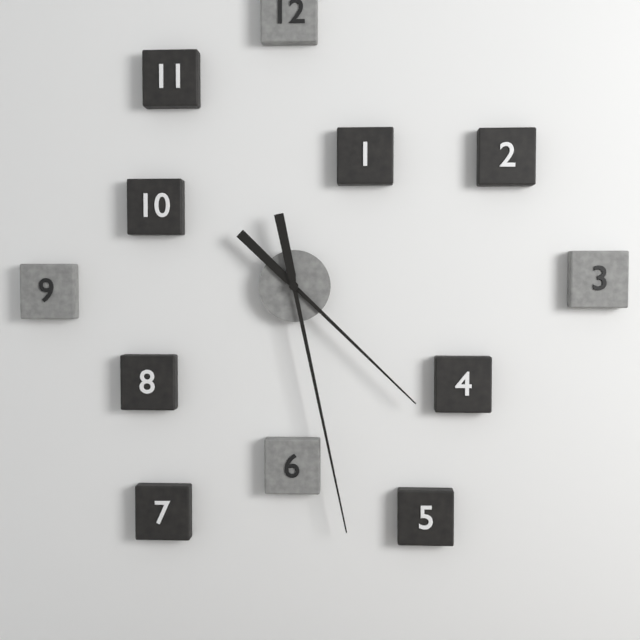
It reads 4h28
